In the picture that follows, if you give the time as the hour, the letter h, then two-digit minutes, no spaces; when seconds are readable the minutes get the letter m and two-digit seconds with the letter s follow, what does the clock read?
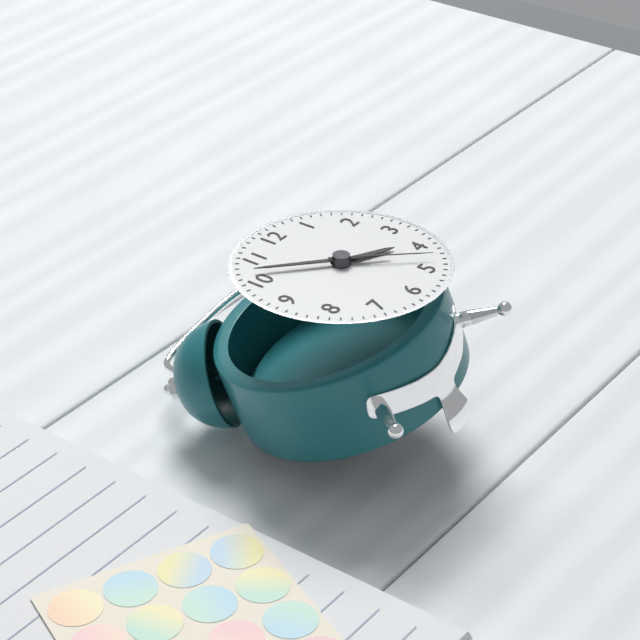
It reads 3h52m23s
